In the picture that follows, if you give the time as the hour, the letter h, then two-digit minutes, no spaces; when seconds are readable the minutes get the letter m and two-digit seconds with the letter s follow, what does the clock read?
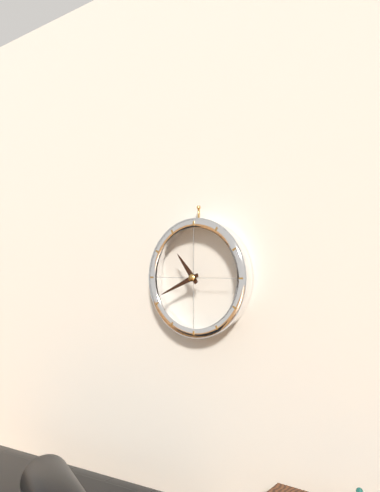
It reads 10h41
